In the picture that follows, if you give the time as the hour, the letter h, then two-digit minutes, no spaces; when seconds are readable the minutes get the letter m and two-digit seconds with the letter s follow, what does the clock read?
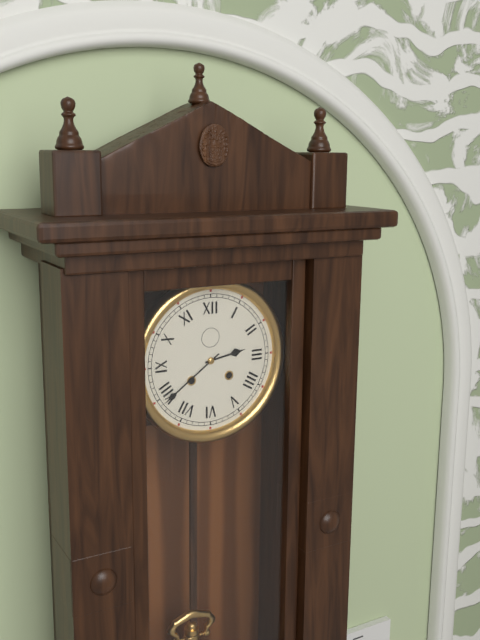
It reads 2h39
